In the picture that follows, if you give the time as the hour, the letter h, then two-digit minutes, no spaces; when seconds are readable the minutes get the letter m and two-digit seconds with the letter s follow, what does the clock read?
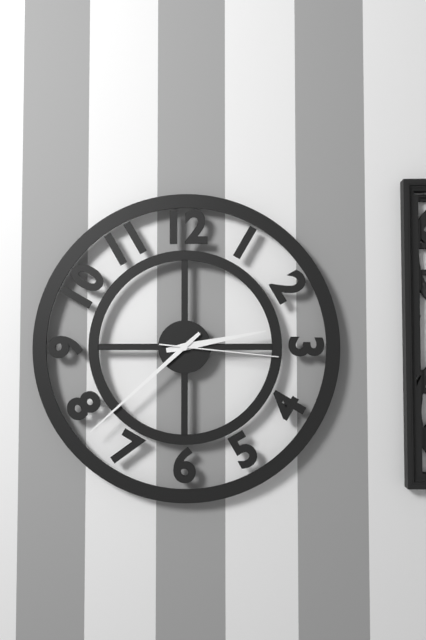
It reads 2h38m16s
